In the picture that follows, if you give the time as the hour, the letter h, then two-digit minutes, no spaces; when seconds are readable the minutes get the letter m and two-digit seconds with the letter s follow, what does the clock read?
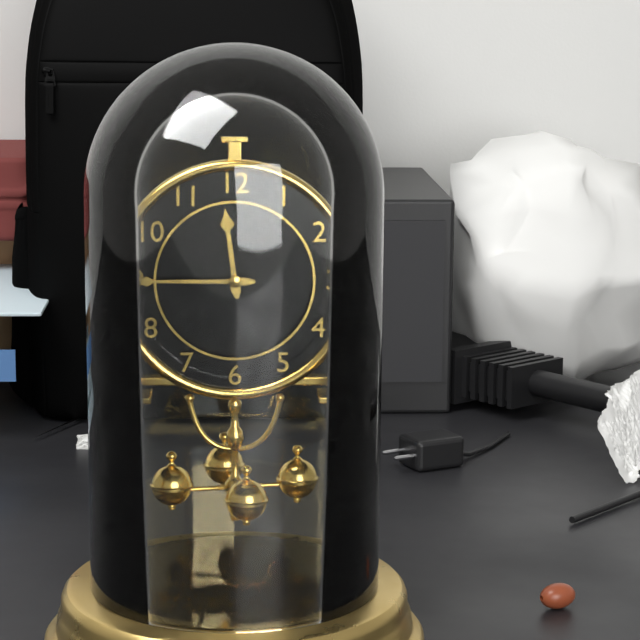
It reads 11h45
